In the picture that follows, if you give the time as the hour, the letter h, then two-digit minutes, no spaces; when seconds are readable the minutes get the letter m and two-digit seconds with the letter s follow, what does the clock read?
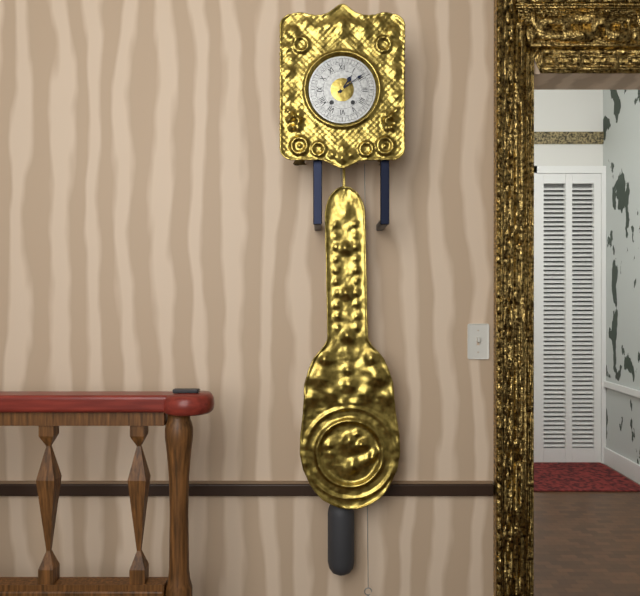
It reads 1h09
